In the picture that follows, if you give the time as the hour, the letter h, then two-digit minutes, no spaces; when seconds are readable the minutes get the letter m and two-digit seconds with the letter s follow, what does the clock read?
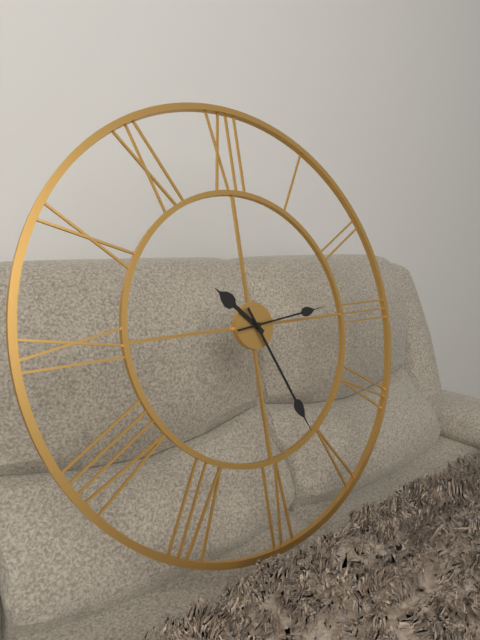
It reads 10h26m14s
